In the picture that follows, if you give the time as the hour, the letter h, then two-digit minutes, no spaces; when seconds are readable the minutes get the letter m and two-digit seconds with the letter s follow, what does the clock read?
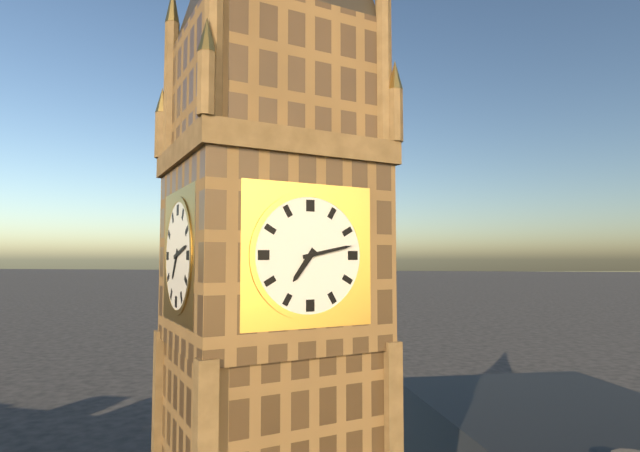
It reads 7h13
